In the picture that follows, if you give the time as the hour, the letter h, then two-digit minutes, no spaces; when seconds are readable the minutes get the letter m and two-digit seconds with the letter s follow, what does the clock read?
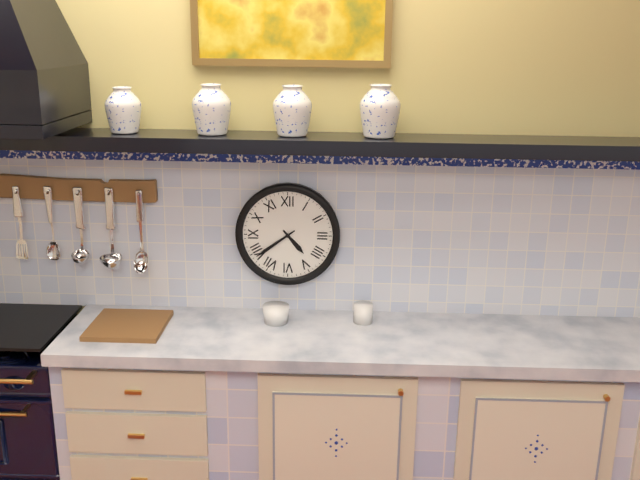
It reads 4h39
